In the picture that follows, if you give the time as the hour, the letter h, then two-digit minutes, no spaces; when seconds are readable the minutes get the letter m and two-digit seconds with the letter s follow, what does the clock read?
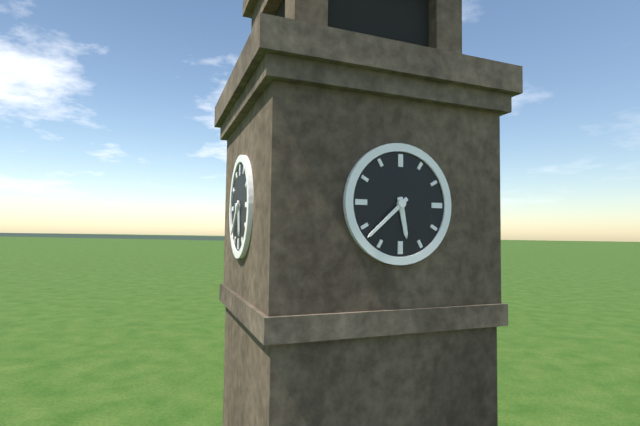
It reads 5h38
